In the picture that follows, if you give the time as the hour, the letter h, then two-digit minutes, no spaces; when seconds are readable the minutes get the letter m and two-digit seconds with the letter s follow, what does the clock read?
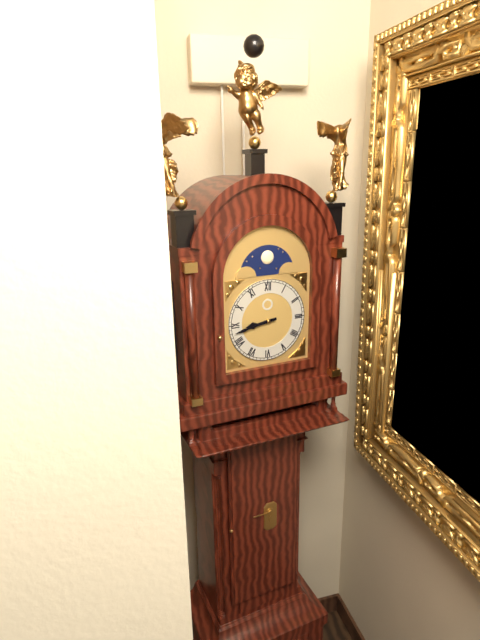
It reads 8h43
